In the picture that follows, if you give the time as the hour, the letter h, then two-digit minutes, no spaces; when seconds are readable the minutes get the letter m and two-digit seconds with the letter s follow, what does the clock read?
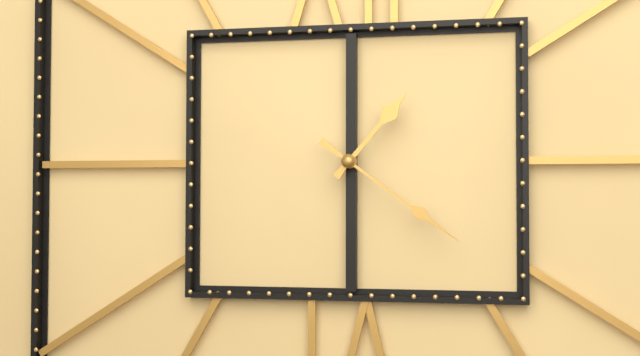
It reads 1h21
